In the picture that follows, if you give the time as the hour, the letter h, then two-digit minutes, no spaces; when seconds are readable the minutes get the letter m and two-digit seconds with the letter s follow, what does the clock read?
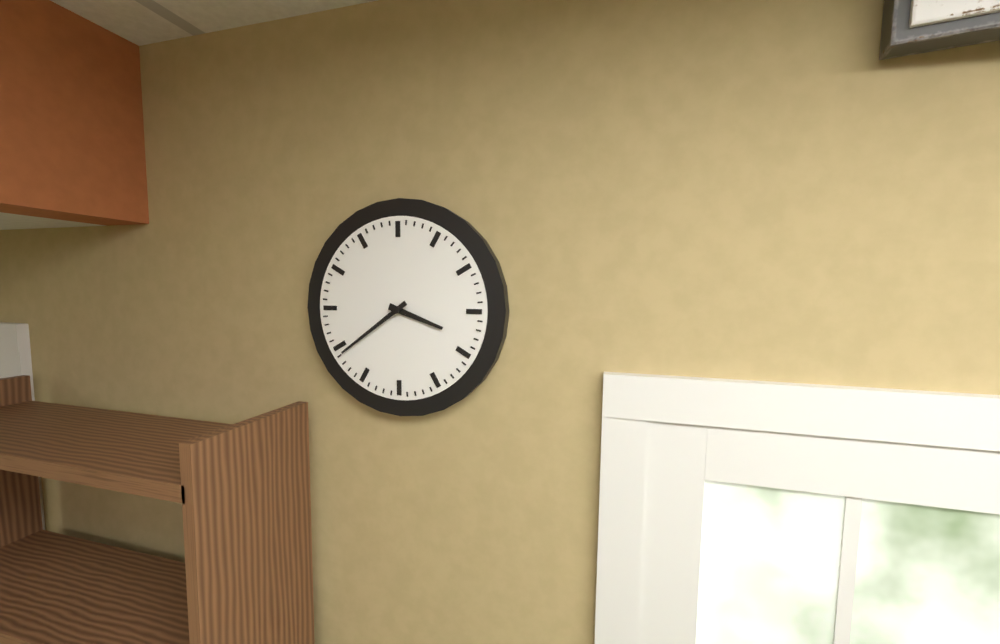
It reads 3h39
